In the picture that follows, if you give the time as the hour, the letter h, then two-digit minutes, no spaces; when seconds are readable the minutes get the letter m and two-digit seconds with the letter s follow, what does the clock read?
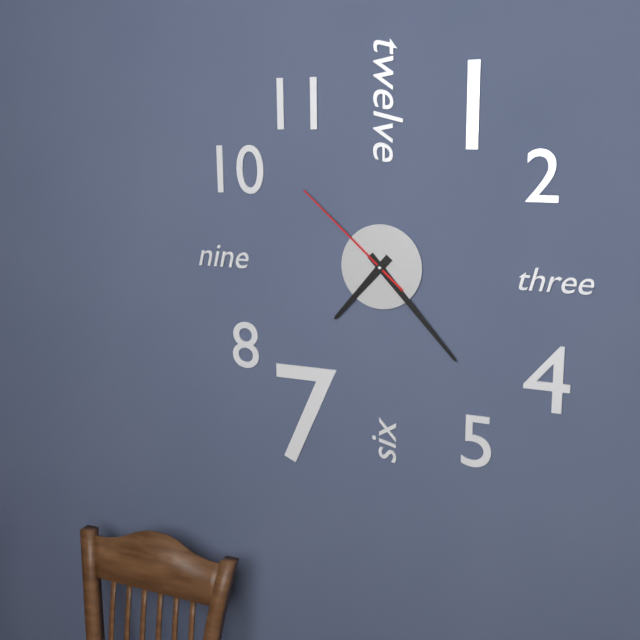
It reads 7h23m52s
